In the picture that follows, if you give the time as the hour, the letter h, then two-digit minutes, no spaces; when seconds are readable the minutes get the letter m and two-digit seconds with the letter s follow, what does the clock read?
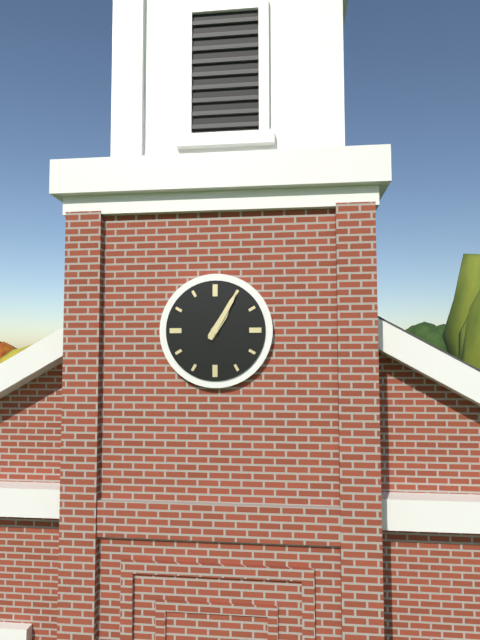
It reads 1h05
